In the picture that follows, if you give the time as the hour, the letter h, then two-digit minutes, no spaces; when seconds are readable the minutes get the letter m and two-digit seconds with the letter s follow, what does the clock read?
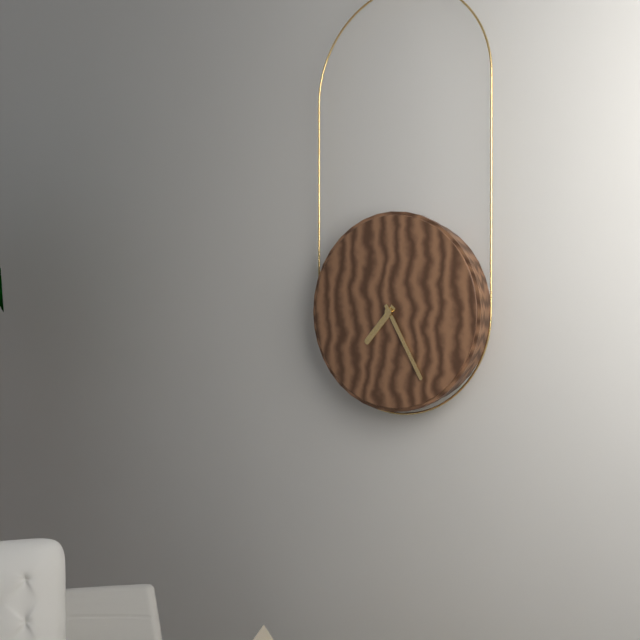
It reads 7h25
